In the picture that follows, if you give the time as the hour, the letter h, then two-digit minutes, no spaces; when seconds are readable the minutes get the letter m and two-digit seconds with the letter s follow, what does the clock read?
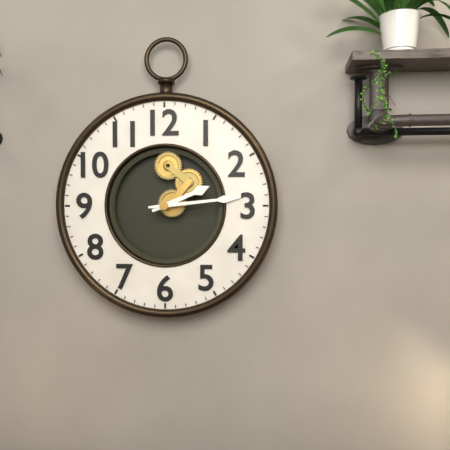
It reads 2h14
